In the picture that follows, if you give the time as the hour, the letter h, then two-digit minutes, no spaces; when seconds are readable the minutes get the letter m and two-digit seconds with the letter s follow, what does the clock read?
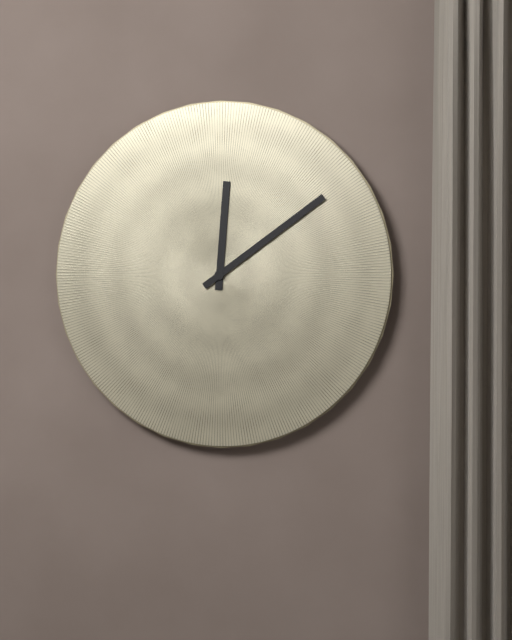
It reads 12h09
